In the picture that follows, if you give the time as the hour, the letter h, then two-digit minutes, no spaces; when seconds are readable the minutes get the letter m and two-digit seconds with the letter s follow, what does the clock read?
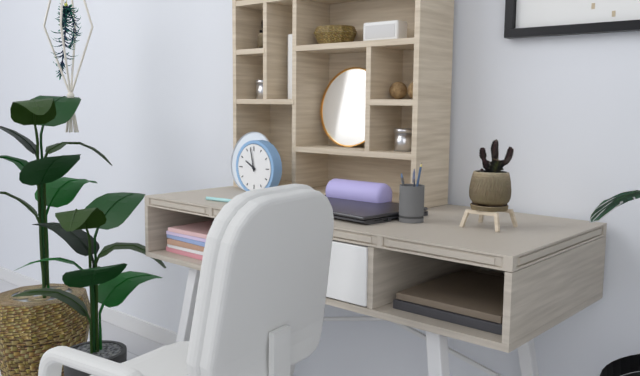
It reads 9h58
